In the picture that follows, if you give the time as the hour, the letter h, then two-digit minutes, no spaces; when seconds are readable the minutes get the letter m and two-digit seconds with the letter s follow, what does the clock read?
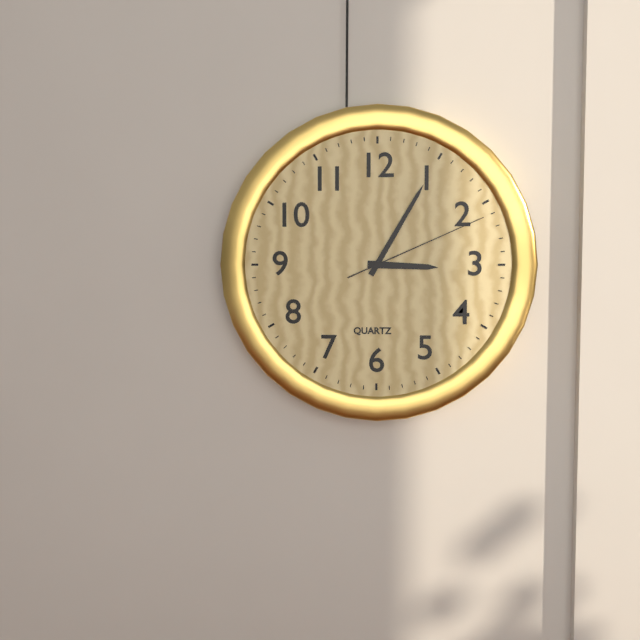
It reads 3h05m11s
